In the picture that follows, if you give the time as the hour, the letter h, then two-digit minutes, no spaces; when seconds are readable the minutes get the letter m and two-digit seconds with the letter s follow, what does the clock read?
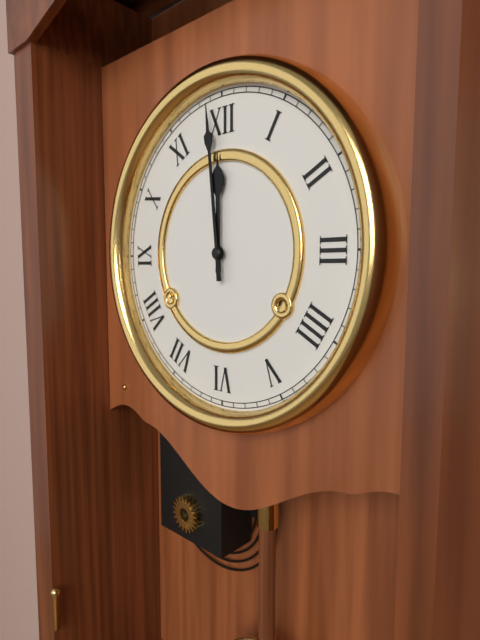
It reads 11h59
